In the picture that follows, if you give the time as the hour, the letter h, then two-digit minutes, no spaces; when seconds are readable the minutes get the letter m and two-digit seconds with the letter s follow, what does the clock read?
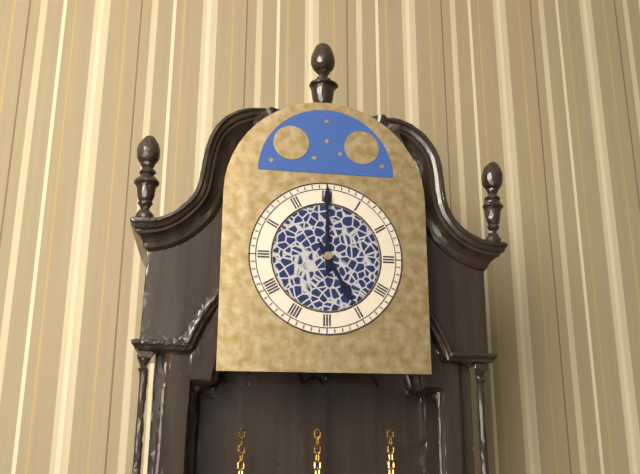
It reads 5h00
